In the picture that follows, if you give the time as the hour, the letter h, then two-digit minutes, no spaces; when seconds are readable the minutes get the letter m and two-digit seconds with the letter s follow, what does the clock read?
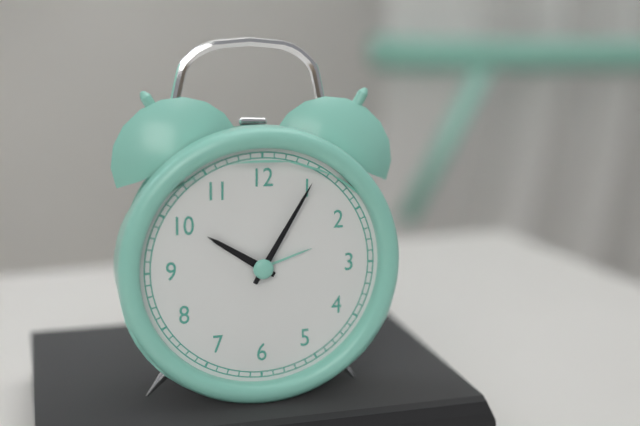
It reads 10h05
